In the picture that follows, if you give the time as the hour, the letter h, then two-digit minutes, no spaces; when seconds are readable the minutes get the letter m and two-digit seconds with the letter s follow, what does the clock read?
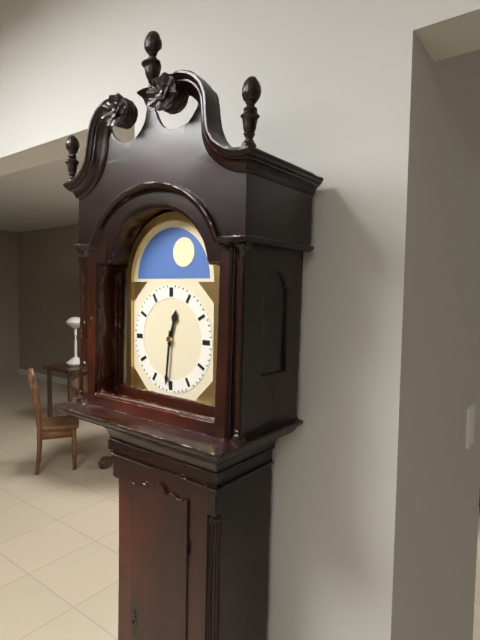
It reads 12h31
